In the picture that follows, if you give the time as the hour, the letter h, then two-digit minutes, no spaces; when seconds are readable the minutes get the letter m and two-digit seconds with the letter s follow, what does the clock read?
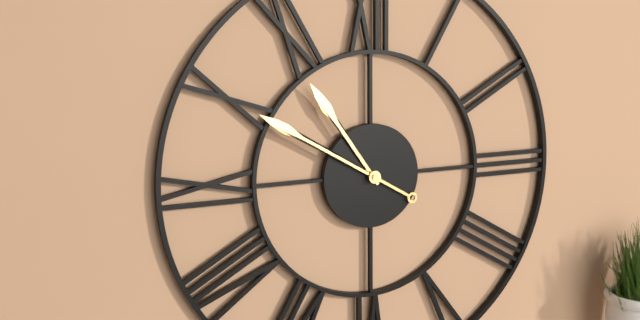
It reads 10h50
